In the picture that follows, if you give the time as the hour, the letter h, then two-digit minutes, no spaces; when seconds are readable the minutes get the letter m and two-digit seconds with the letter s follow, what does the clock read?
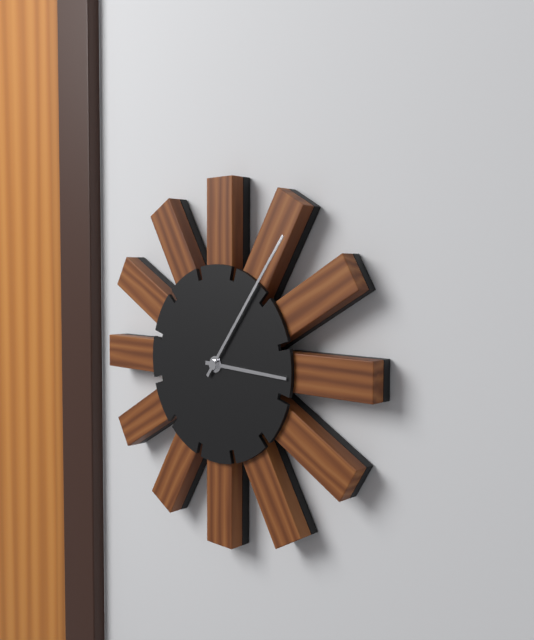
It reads 3h06
